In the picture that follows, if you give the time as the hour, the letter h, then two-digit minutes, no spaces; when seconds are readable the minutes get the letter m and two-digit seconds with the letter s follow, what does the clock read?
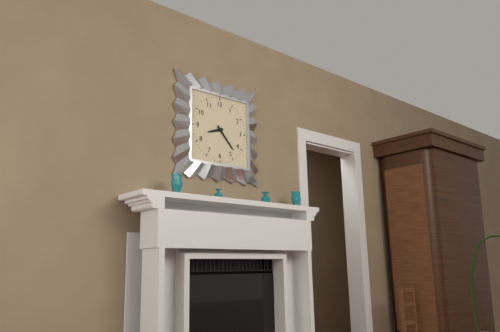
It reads 8h23
